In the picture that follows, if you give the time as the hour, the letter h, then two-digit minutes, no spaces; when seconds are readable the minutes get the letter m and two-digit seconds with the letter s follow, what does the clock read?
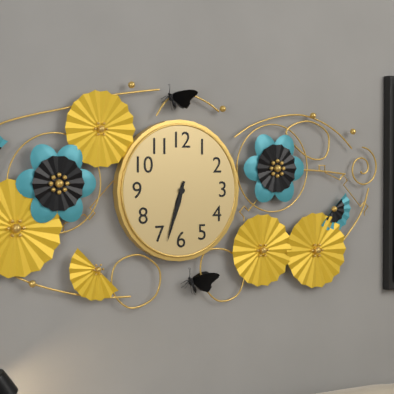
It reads 6h33
